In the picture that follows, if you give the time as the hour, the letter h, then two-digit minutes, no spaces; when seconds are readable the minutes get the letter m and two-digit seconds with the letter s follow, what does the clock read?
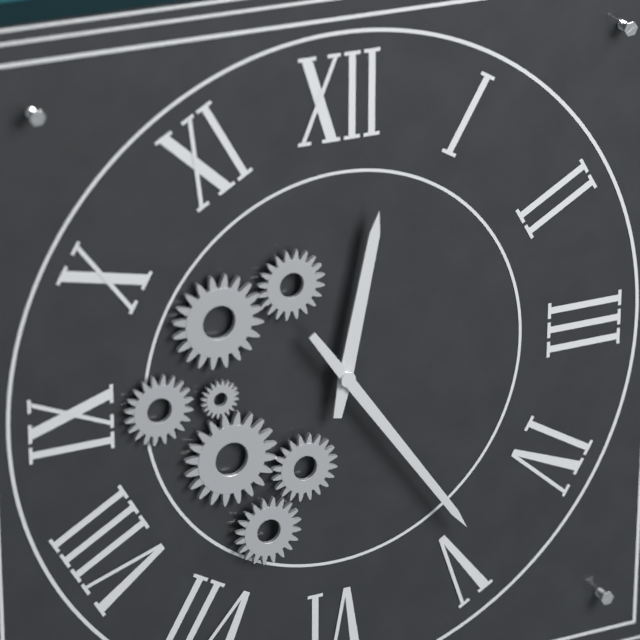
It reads 12h24
